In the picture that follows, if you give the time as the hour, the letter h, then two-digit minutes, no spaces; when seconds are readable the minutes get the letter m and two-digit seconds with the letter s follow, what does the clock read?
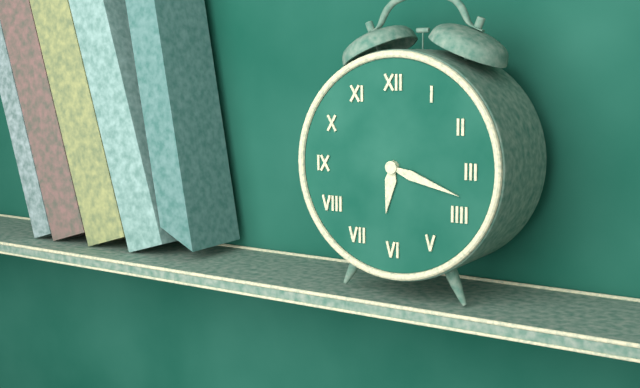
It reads 6h18
